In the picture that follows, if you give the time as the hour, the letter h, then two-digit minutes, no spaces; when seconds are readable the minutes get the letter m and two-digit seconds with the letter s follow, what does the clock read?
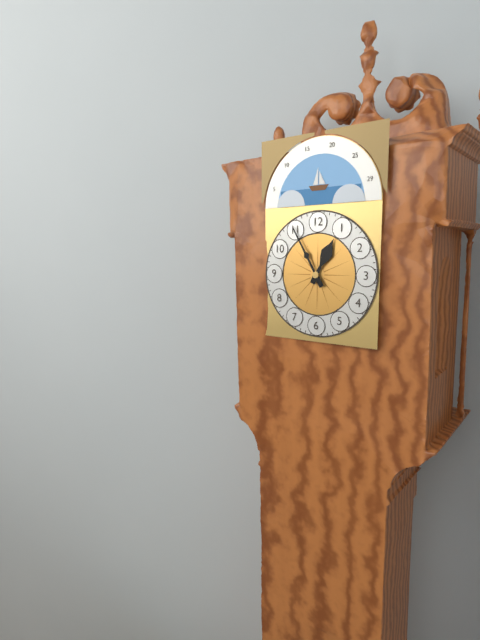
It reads 12h55
